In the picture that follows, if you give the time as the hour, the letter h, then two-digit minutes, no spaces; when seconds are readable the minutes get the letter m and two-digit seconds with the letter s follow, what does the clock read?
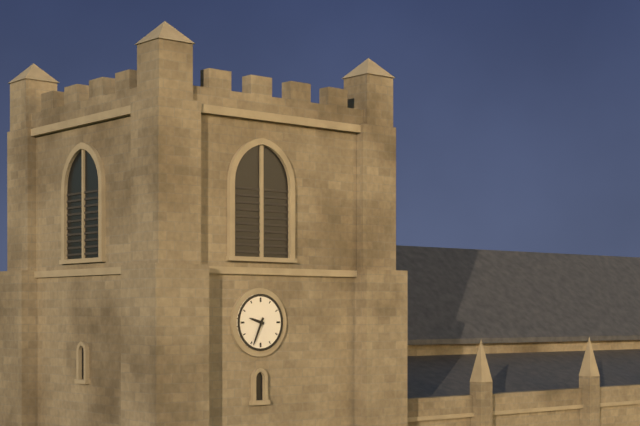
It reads 9h34
